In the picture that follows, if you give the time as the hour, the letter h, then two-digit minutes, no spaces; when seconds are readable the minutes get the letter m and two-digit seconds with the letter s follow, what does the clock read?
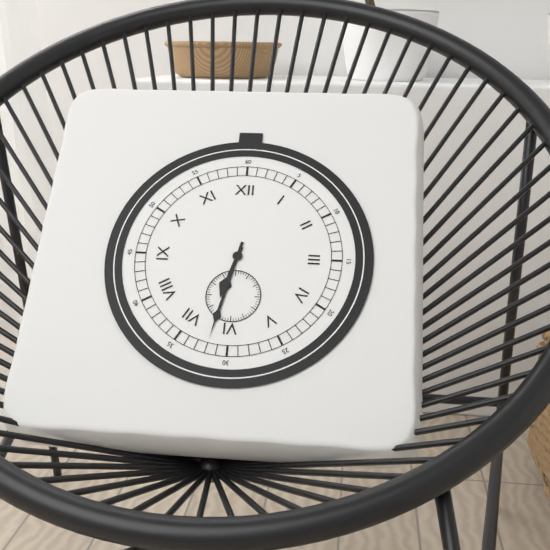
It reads 6h32
